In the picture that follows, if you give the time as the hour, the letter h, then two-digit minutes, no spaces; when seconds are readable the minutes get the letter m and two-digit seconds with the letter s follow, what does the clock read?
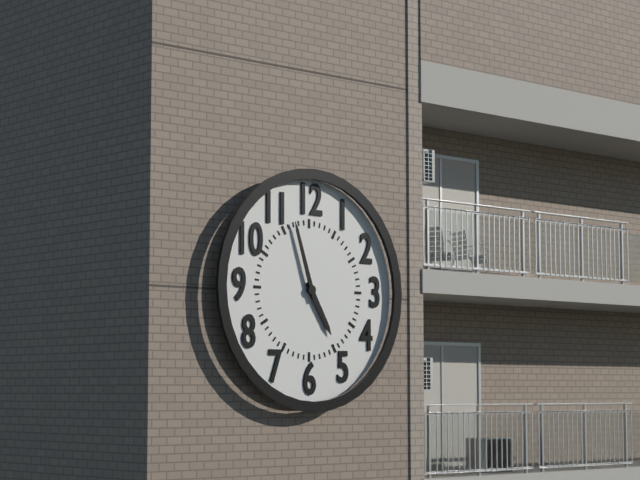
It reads 4h57
